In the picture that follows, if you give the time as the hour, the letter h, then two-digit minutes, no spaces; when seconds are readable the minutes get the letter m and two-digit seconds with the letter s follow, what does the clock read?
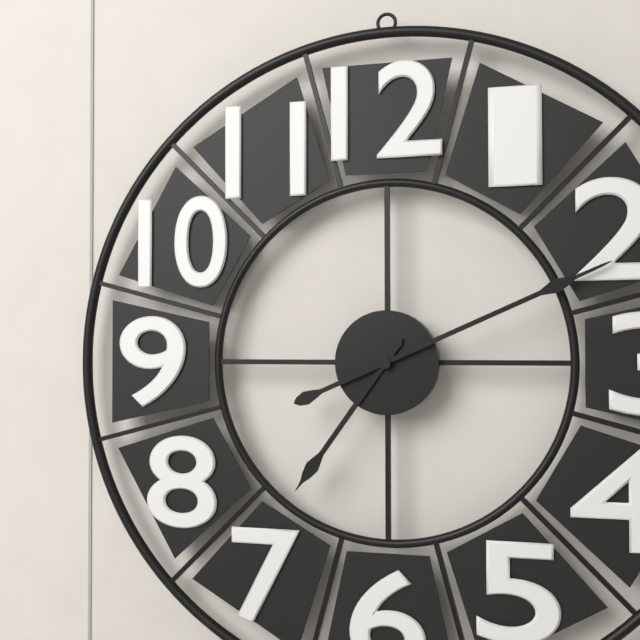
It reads 7h11
